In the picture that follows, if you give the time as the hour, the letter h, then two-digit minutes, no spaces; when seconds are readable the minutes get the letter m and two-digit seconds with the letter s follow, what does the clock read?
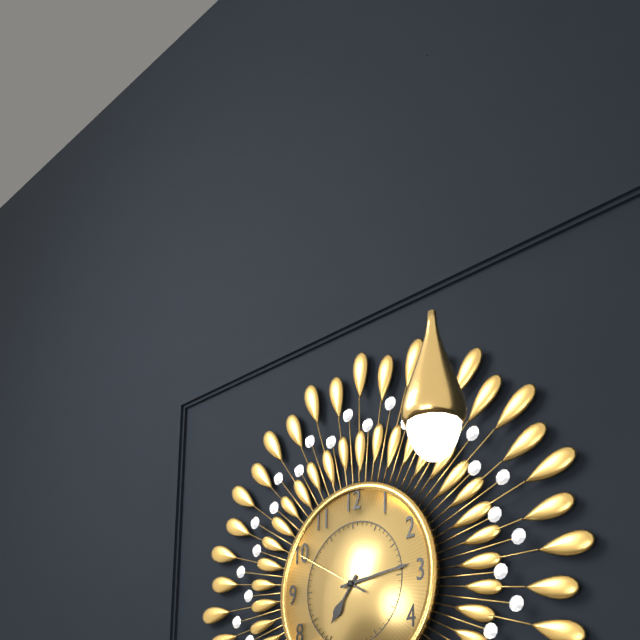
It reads 7h14m50s
